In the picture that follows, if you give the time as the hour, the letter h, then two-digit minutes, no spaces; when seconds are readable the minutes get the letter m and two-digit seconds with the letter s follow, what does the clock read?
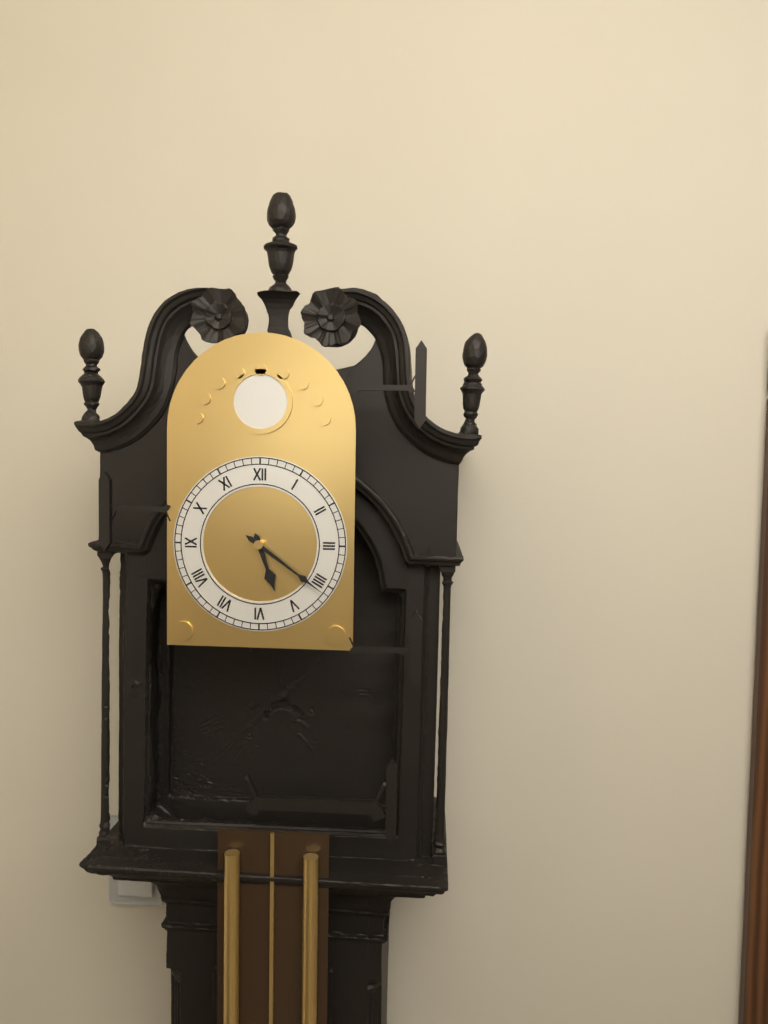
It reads 5h21
